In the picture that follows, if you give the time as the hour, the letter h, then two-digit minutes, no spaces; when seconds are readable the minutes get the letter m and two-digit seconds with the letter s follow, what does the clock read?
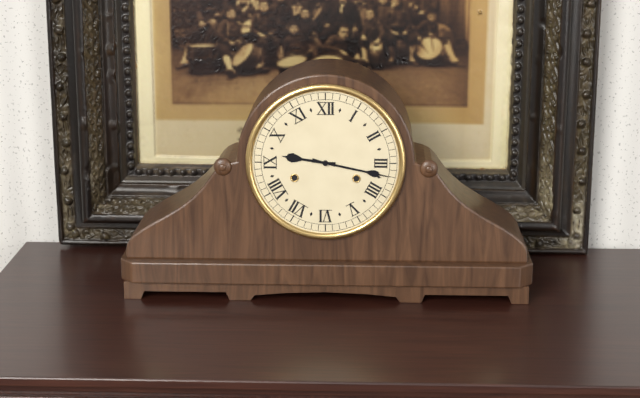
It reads 9h17
